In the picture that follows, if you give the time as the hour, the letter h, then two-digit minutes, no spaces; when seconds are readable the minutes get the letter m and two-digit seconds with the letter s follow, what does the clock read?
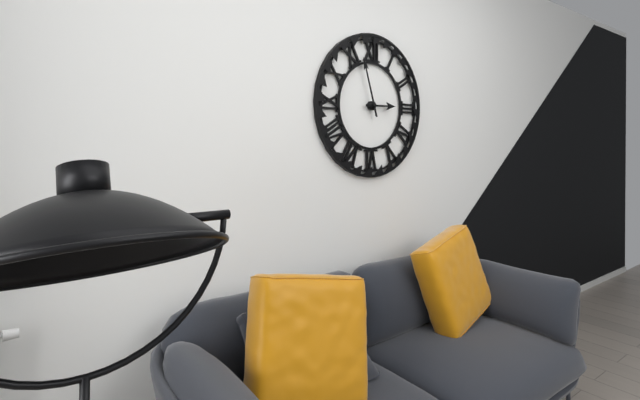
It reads 2h57
